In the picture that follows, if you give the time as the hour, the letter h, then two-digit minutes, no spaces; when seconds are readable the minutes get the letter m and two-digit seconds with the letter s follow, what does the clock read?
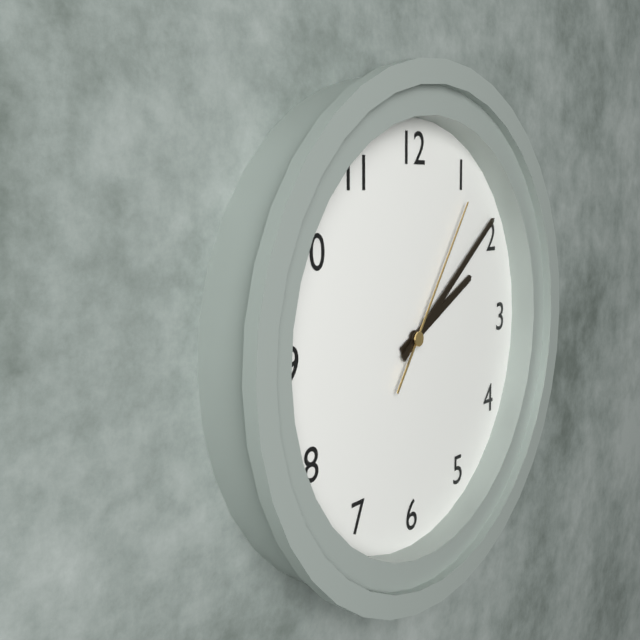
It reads 2h09m06s
